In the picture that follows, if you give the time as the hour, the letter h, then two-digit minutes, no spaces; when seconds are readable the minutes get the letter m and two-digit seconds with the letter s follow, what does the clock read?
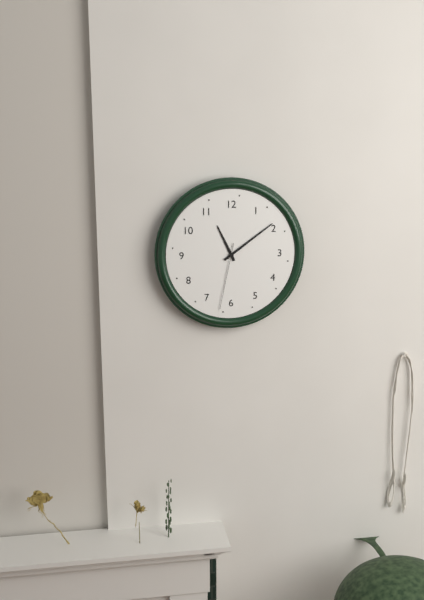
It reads 11h09m32s
